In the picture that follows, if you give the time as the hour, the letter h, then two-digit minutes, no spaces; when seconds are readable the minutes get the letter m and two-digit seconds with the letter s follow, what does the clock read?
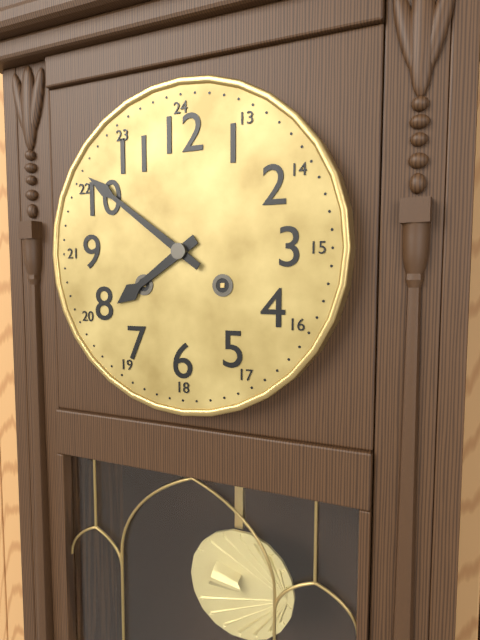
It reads 7h51
